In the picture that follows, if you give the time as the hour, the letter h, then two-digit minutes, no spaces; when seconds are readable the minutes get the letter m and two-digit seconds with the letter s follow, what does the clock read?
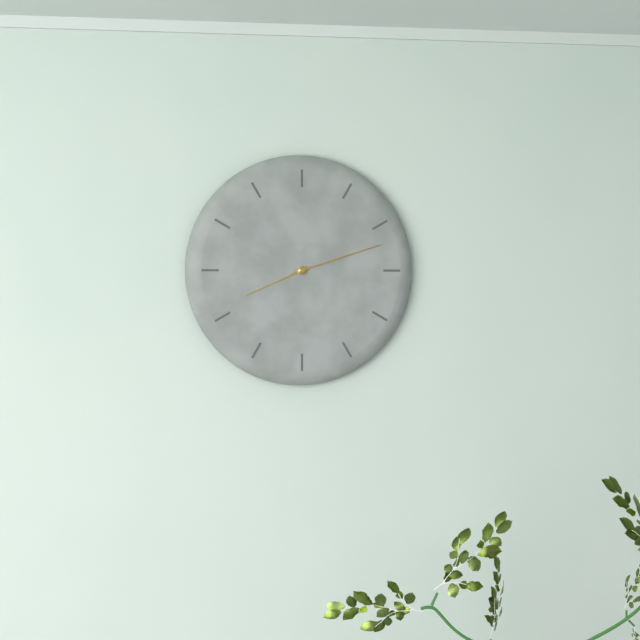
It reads 8h12
